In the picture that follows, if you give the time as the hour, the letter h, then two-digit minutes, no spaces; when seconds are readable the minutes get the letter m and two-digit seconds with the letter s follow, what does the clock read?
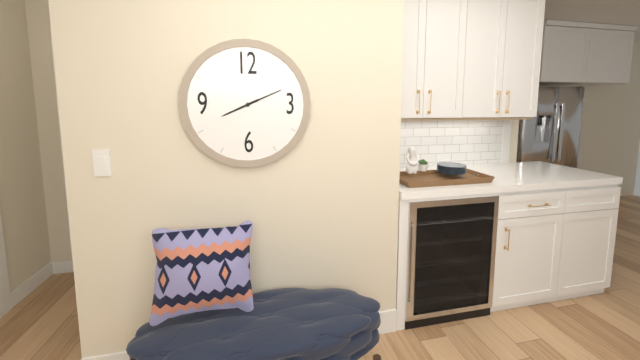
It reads 8h11
